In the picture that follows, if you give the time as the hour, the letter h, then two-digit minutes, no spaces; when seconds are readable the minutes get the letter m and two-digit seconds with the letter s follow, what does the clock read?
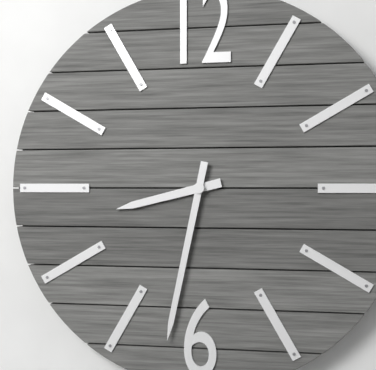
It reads 8h32
